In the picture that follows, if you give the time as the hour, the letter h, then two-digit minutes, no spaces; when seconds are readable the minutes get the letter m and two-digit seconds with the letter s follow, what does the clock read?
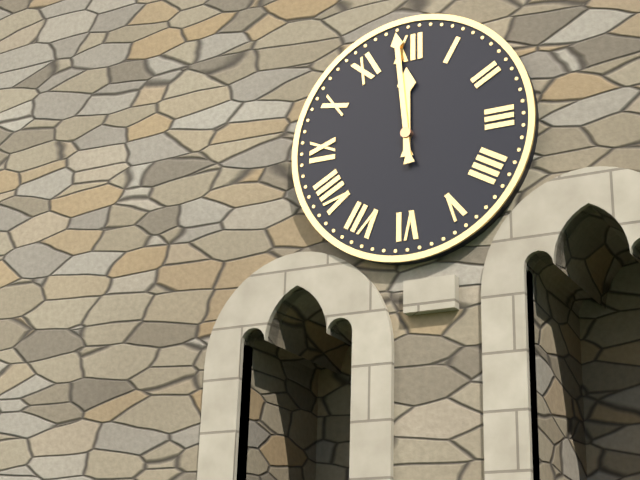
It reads 11h59
